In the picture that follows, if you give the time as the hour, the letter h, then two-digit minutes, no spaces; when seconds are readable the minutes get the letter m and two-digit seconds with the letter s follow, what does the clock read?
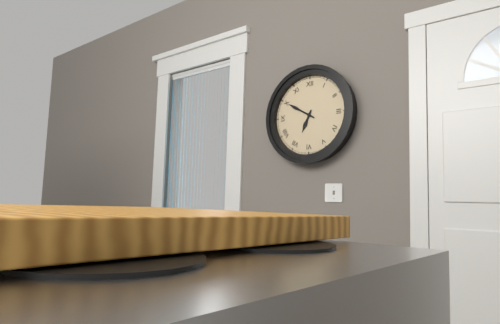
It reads 6h50
